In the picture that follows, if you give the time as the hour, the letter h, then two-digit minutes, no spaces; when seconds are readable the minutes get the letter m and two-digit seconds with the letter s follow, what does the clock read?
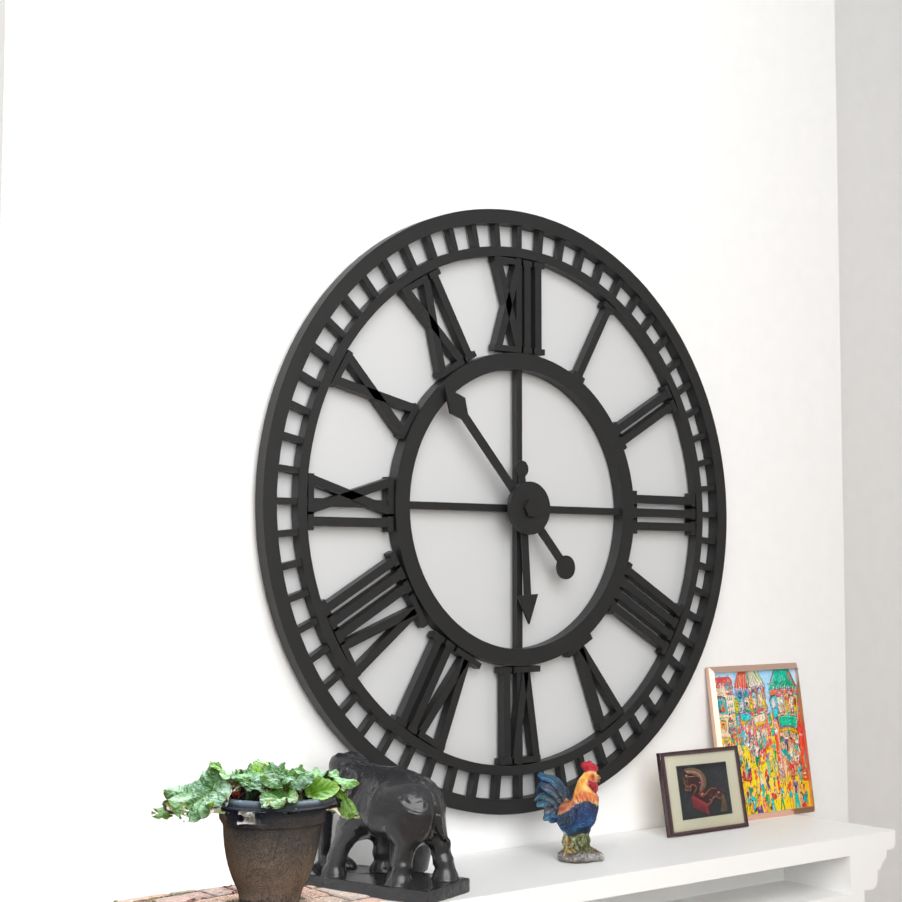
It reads 5h53
